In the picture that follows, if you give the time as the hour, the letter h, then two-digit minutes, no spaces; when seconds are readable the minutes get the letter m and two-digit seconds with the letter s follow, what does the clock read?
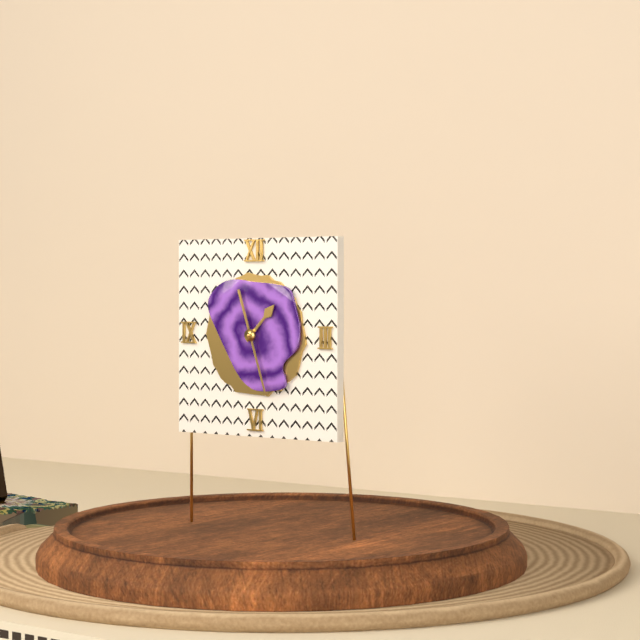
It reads 1h27
